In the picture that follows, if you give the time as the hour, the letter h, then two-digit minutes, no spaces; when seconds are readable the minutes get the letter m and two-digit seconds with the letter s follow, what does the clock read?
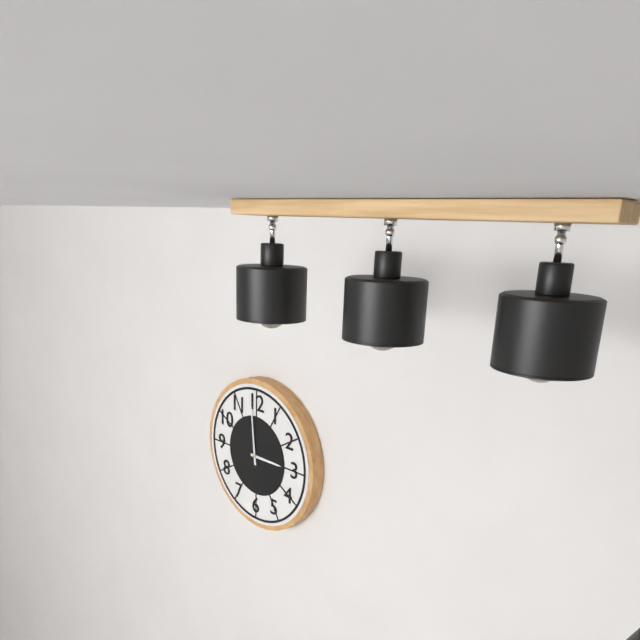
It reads 2h59
